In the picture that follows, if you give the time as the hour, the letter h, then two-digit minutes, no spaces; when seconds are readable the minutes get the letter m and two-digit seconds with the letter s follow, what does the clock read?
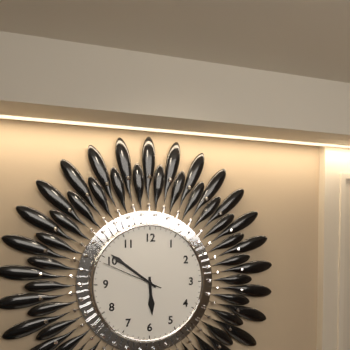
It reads 5h51m49s
